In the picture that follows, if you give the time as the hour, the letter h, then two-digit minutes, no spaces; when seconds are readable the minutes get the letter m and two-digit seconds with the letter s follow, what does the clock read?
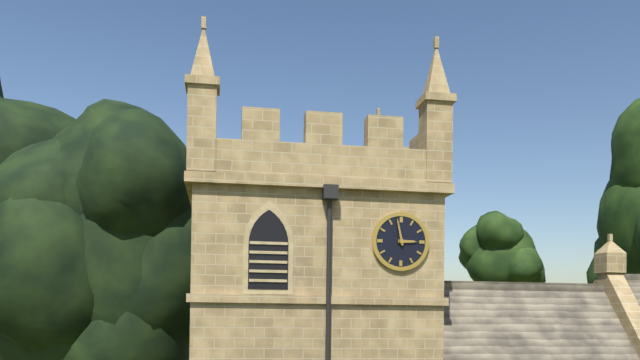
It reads 2h58
